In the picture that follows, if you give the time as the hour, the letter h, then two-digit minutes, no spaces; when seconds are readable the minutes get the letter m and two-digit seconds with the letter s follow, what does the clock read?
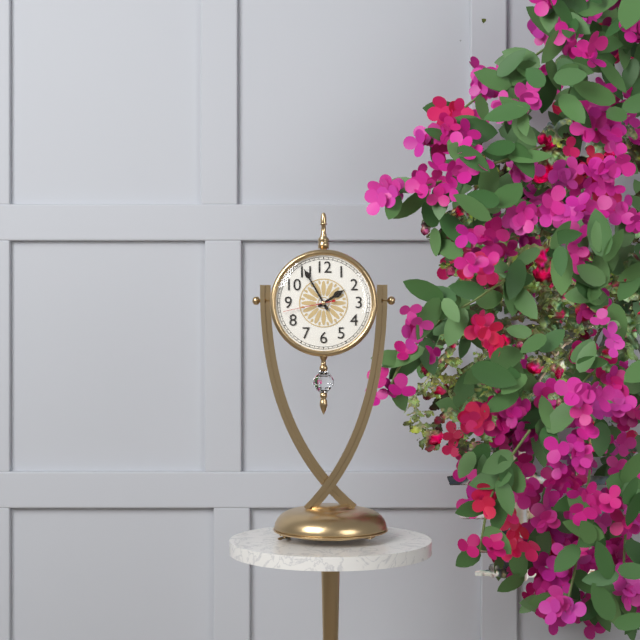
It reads 1h55m43s
